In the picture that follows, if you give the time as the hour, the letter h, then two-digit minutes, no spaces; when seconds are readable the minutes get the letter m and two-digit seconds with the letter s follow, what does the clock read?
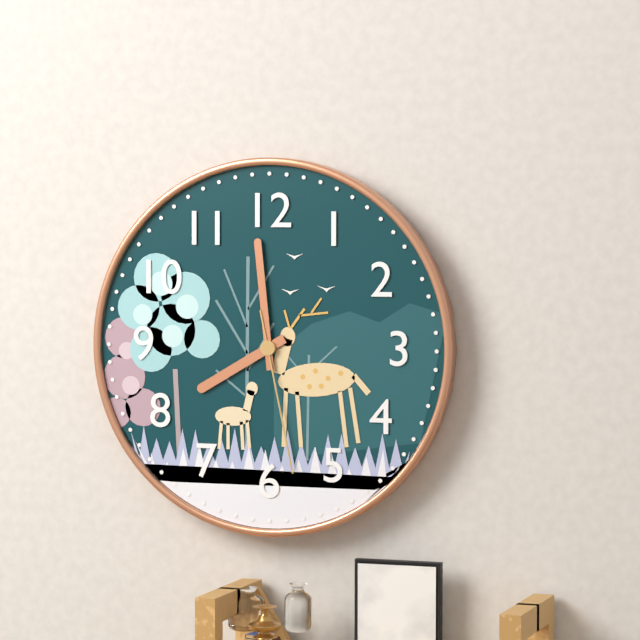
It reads 7h59m28s
